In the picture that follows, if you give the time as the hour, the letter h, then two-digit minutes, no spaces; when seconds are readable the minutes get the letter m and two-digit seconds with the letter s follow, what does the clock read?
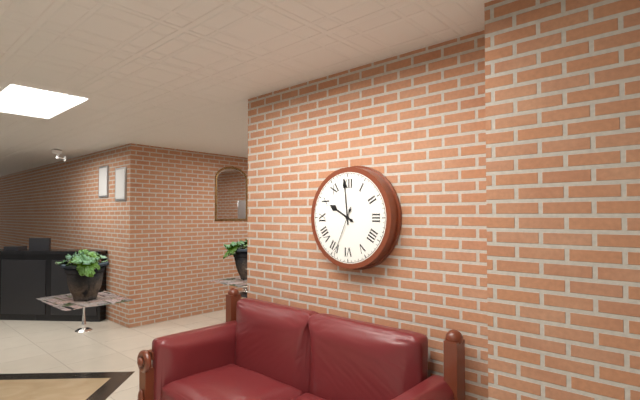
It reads 9h59
